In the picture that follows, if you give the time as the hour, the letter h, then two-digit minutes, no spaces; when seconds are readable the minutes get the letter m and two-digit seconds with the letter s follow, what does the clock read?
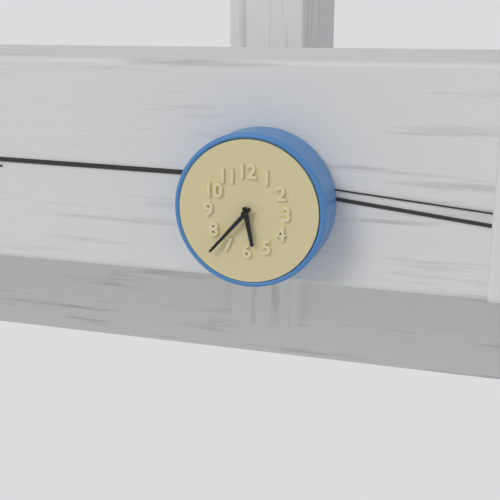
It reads 5h37
